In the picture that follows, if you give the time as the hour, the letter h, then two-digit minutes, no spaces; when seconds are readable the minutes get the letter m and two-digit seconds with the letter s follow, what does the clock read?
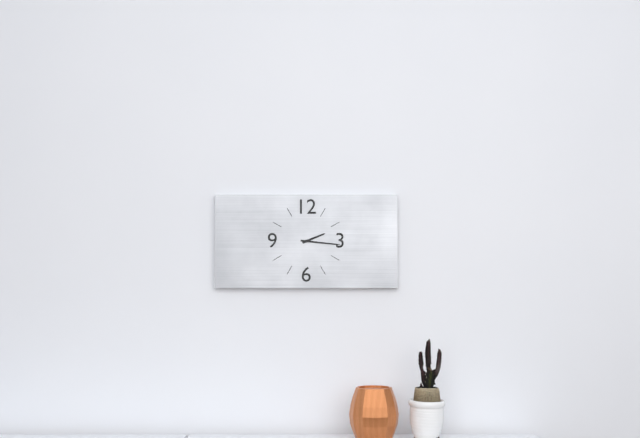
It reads 2h16
